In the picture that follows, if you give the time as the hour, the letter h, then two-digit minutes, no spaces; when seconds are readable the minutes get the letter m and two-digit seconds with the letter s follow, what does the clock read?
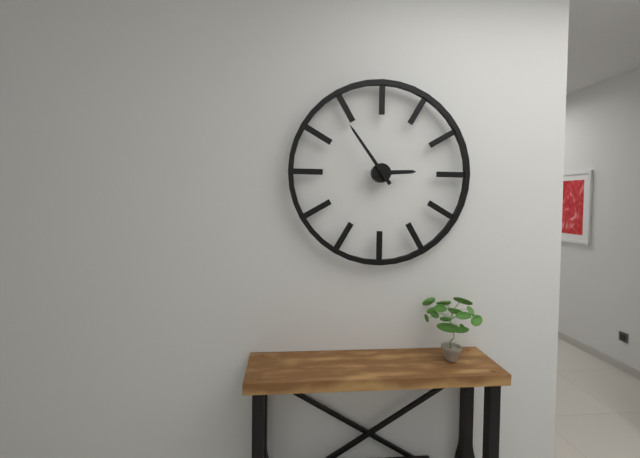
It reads 2h54
